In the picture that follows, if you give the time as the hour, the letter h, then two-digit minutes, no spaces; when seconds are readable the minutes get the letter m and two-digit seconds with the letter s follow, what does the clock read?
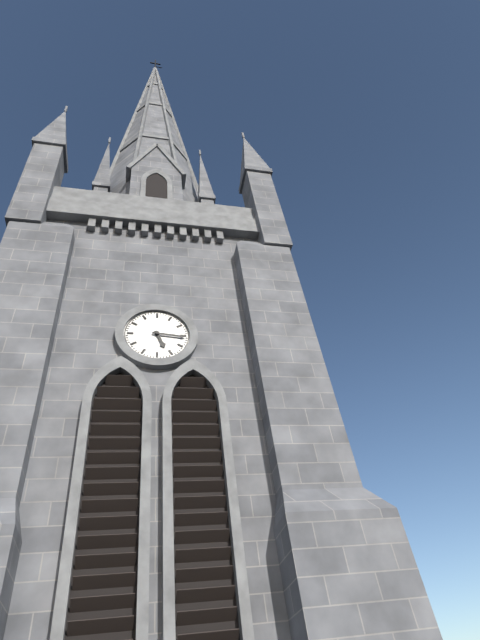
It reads 5h16
